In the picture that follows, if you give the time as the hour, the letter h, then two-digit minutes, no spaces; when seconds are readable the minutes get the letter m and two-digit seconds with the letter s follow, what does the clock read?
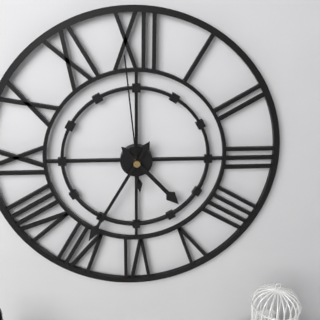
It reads 4h35m59s
